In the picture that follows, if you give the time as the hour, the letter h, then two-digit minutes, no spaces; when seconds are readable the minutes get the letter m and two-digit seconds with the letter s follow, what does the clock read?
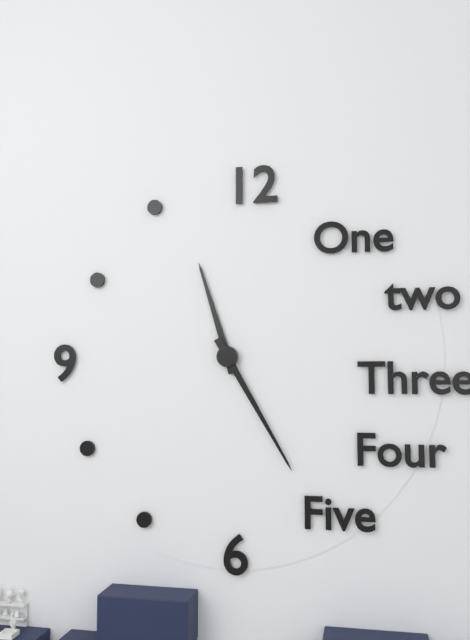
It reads 11h25
